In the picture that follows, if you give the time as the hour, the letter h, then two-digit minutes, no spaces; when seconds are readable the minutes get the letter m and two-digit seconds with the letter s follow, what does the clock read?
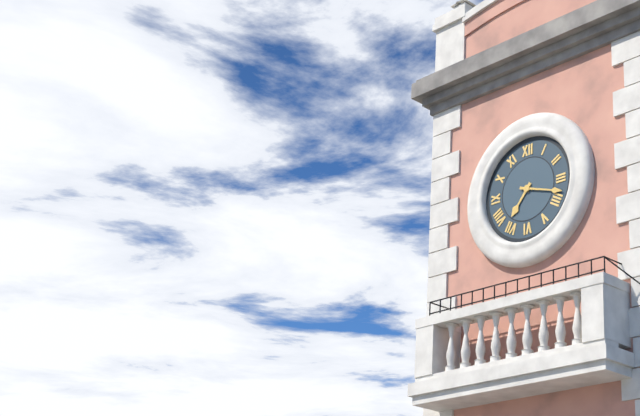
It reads 7h18
